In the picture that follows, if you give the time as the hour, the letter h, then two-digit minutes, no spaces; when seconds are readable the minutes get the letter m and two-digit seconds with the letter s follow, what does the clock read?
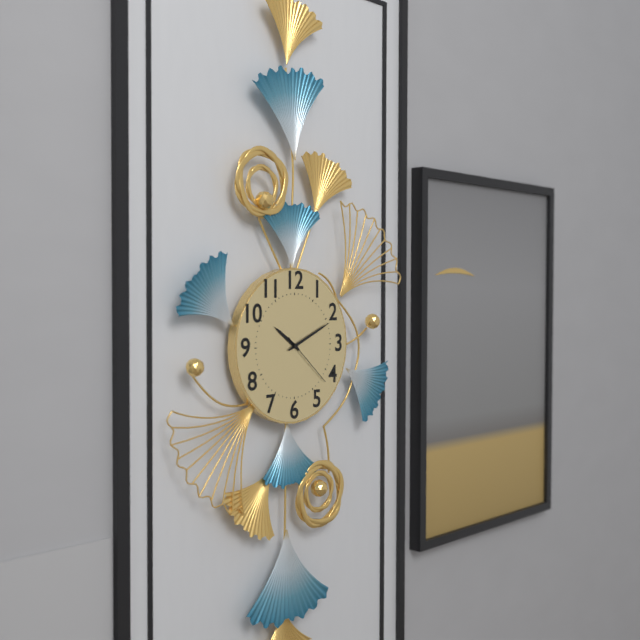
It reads 10h11m22s
